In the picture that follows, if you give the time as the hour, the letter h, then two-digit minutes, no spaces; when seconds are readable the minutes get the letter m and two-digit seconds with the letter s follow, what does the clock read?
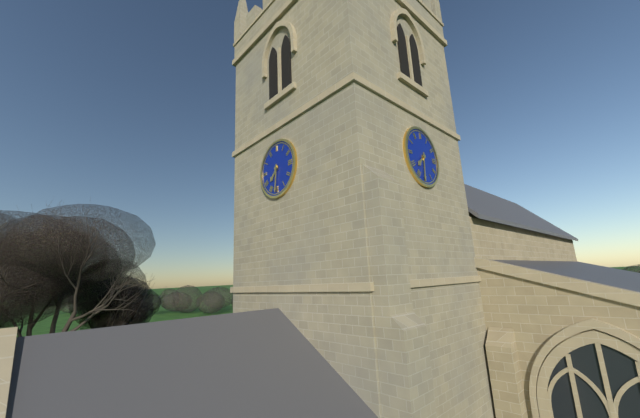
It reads 7h31
